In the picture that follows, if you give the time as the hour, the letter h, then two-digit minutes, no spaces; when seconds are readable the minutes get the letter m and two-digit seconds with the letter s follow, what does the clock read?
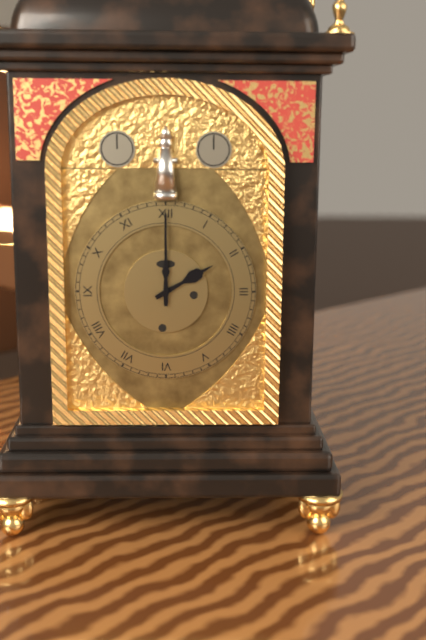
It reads 2h00
